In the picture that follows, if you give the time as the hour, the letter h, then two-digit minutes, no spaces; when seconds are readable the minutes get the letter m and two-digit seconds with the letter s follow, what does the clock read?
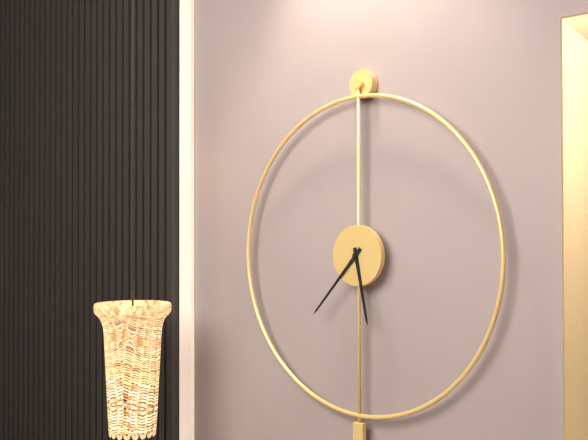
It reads 5h37
